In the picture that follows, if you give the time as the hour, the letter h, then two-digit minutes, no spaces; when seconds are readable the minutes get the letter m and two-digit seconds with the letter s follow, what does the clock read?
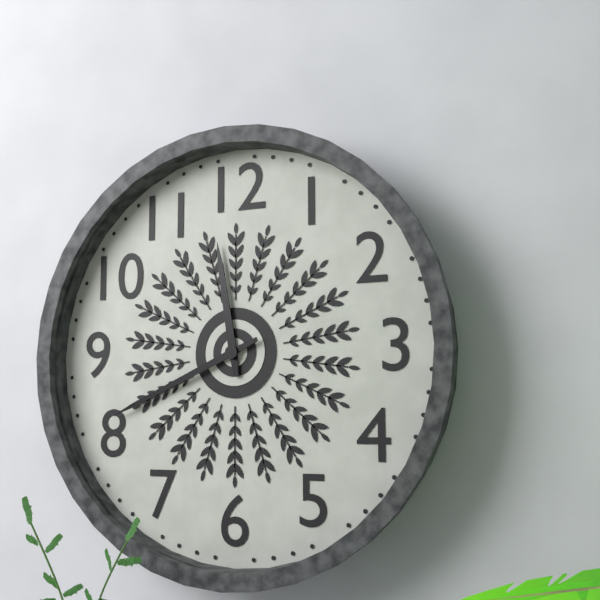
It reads 11h41
